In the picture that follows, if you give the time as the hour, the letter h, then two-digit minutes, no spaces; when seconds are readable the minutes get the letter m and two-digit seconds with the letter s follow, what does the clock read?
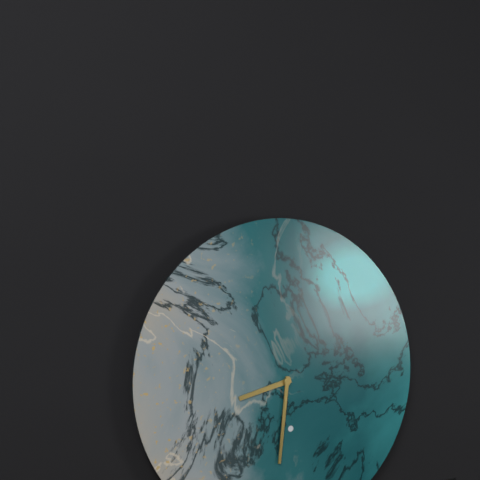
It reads 8h31
